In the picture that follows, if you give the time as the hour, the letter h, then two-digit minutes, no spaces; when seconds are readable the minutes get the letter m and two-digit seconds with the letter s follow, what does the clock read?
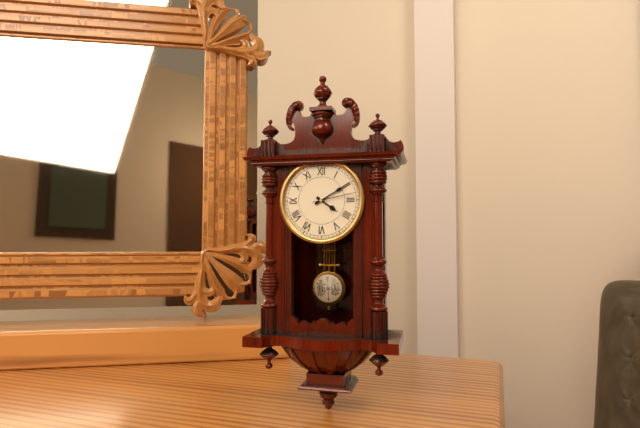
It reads 4h10
